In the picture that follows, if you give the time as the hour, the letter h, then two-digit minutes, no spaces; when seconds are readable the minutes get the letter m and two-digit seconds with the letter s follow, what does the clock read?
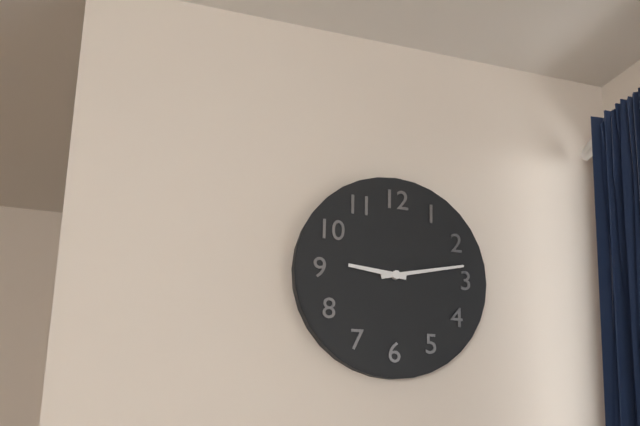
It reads 9h13
